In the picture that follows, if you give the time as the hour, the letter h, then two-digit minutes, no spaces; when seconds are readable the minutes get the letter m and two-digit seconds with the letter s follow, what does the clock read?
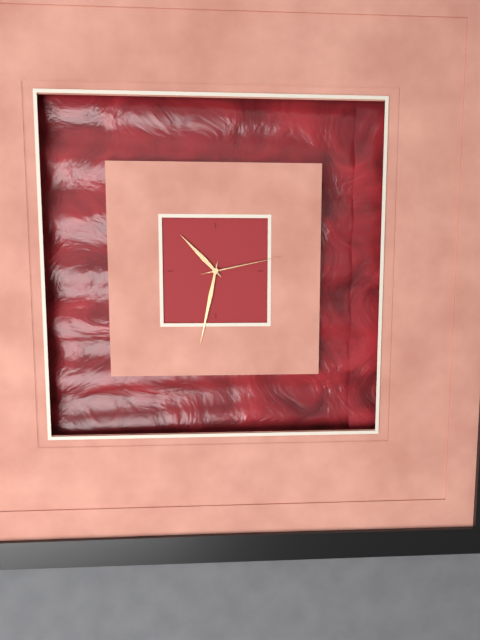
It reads 10h32m13s
